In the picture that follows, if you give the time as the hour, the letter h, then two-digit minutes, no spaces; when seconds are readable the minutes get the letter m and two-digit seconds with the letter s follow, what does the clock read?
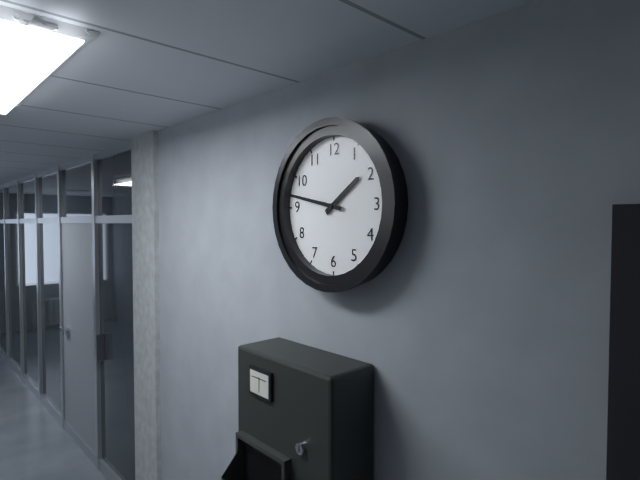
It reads 1h47
